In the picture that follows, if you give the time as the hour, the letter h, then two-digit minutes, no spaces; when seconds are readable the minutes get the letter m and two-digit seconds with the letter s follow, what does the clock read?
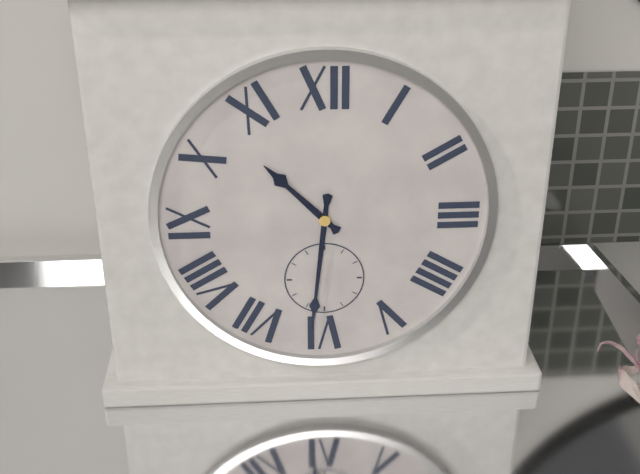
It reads 10h31
